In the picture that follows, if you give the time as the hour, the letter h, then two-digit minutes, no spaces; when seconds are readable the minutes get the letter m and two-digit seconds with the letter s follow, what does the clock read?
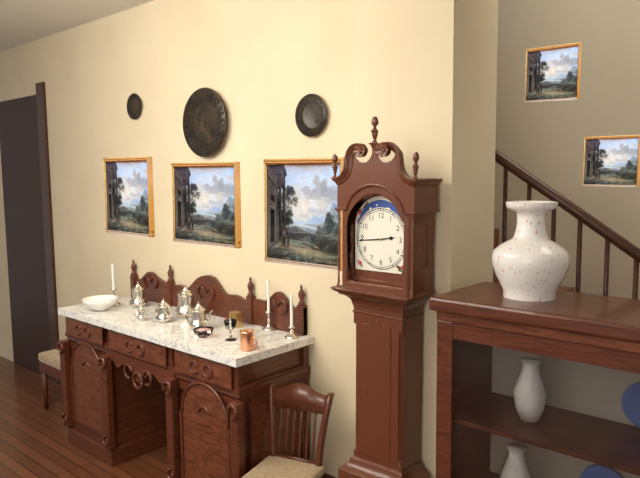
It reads 2h44
